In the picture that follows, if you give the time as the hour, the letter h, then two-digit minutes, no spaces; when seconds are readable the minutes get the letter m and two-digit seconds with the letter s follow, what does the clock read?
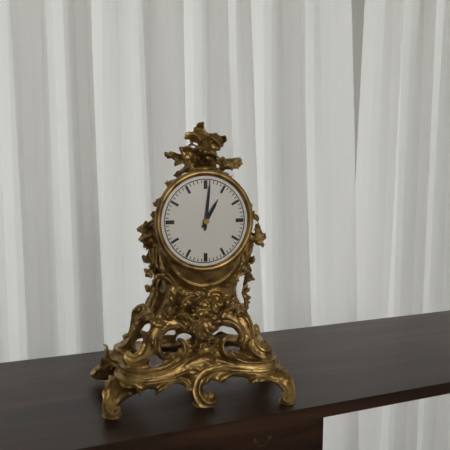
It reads 1h01
